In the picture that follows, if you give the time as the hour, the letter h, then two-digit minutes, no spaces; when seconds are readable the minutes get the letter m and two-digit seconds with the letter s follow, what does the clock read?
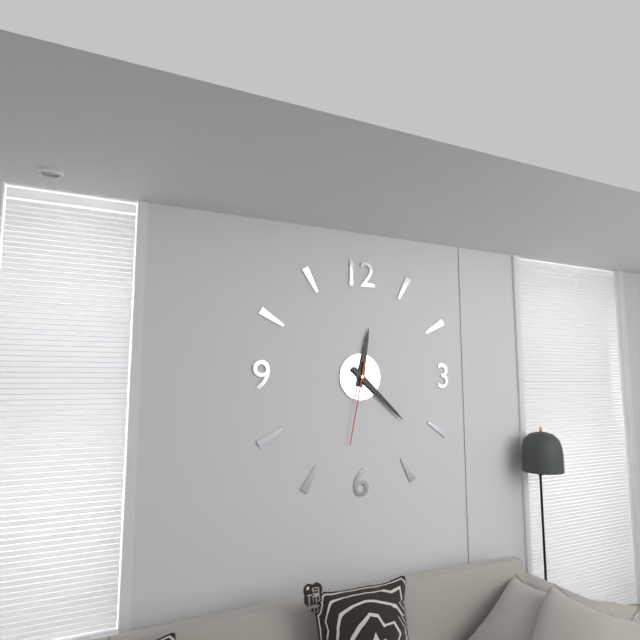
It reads 12h22m32s
